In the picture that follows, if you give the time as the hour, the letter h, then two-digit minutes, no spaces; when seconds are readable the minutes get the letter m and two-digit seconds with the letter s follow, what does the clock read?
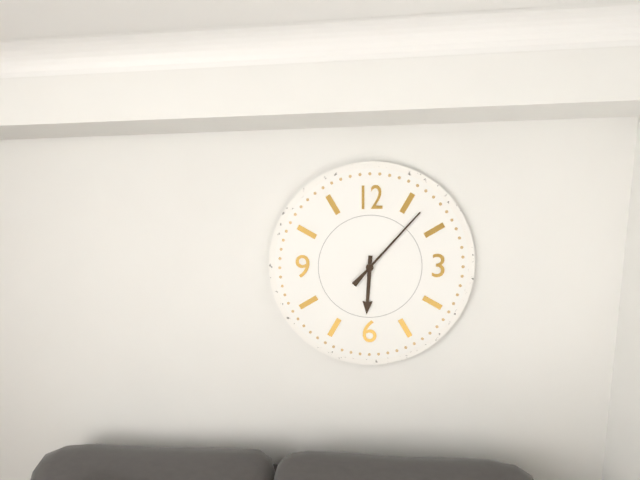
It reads 6h07
